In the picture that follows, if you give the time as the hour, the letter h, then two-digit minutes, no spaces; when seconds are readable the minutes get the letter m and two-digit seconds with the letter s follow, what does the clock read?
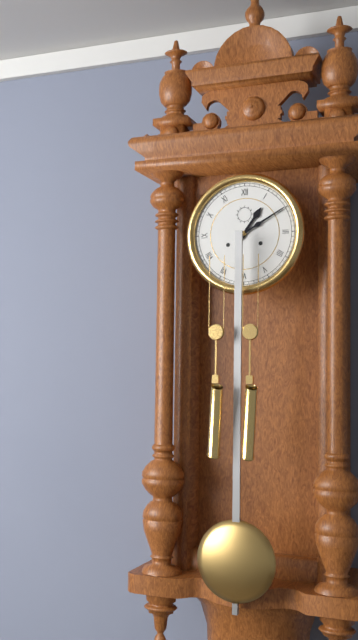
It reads 1h10
